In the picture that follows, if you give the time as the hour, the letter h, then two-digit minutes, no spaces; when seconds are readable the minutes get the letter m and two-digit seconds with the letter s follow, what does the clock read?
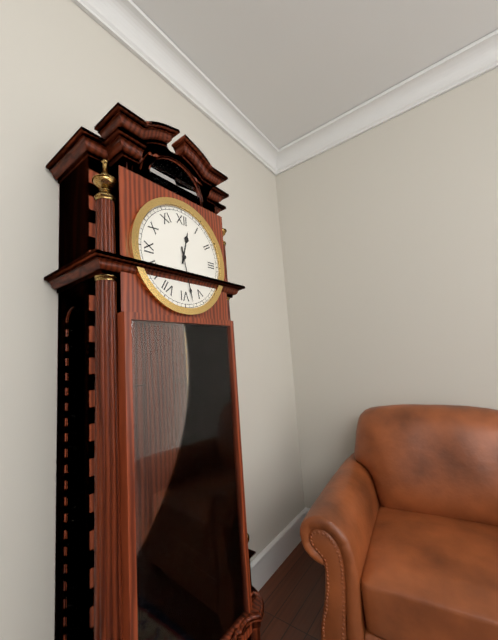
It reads 12h28
